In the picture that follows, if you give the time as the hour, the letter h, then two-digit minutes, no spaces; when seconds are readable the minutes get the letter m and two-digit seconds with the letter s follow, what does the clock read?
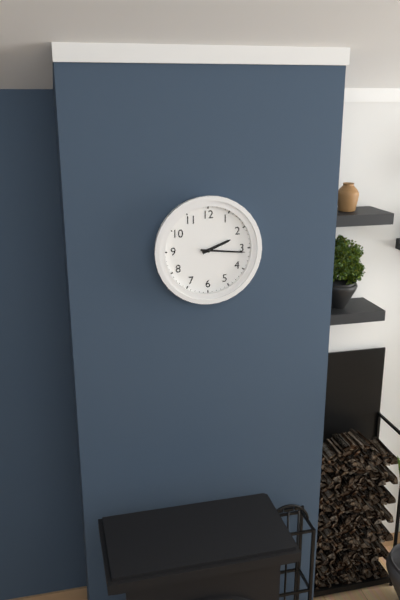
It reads 2h16
